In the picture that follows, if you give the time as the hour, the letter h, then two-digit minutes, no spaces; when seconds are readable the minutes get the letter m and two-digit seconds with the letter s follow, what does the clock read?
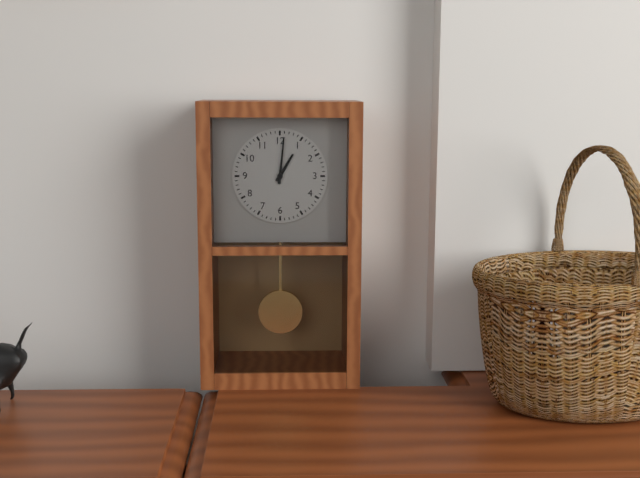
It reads 1h01
